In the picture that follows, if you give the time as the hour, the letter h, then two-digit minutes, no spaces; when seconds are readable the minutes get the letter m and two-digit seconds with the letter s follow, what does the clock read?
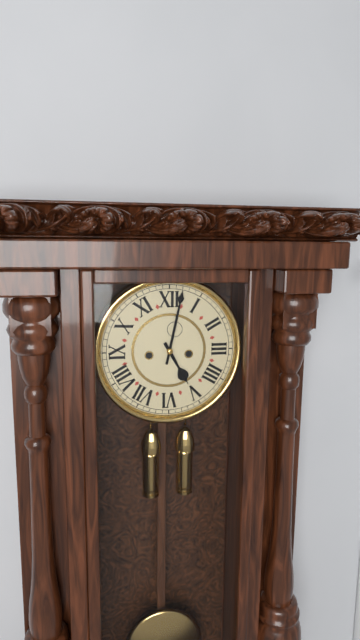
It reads 5h02
